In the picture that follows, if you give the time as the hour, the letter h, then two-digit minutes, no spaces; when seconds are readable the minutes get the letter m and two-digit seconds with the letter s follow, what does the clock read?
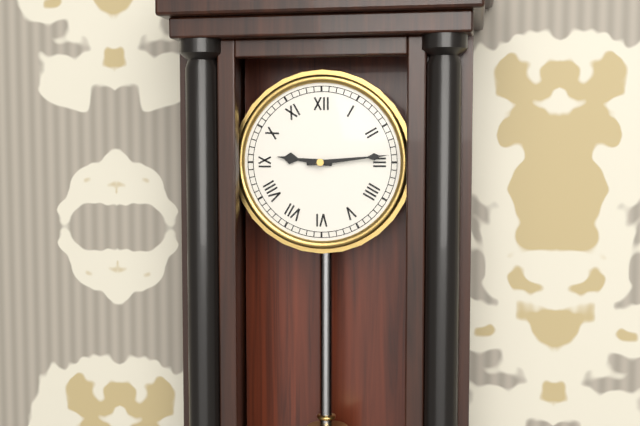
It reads 9h14
